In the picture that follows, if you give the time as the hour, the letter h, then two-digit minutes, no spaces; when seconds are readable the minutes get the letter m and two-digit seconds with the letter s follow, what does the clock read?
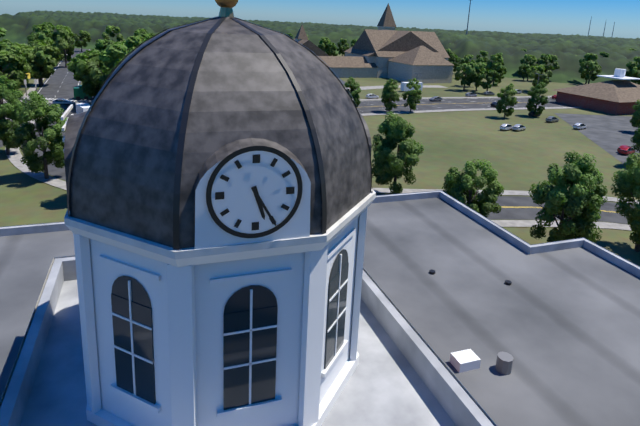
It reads 5h25
